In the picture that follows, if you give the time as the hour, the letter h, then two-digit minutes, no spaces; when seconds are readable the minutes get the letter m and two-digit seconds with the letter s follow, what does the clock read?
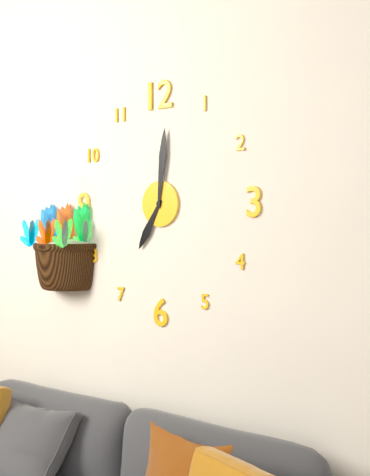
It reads 7h01
